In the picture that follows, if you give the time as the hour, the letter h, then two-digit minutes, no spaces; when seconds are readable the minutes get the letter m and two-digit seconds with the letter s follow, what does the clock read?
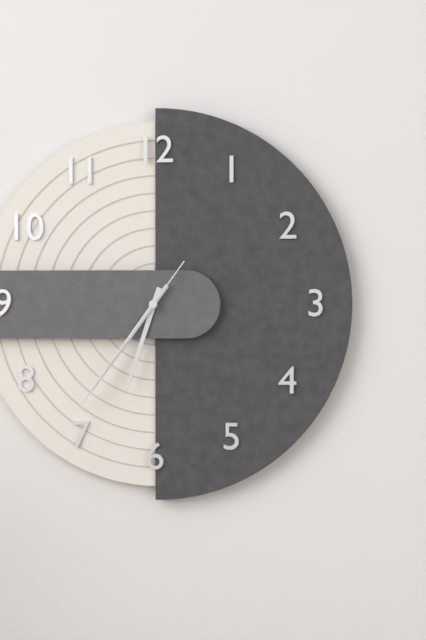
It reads 6h36m36s
